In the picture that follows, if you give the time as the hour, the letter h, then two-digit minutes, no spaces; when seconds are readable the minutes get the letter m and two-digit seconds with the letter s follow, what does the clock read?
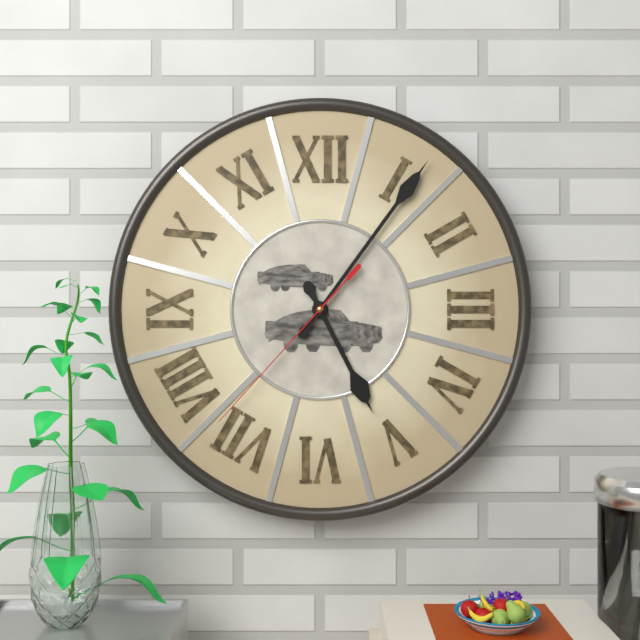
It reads 5h06m37s
